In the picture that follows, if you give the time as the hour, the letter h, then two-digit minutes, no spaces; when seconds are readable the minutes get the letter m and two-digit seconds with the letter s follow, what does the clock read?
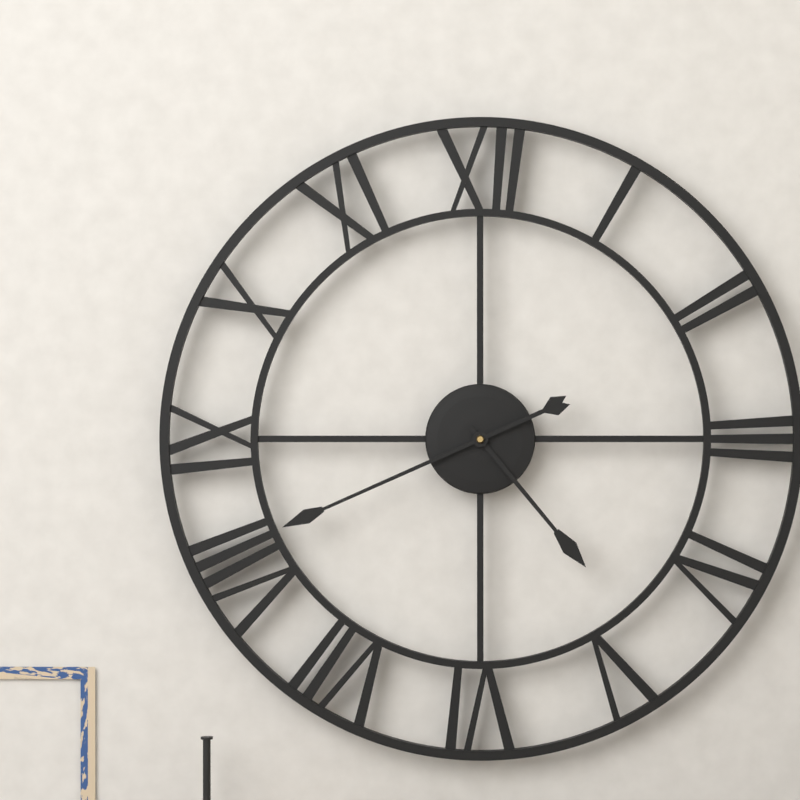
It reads 4h41
